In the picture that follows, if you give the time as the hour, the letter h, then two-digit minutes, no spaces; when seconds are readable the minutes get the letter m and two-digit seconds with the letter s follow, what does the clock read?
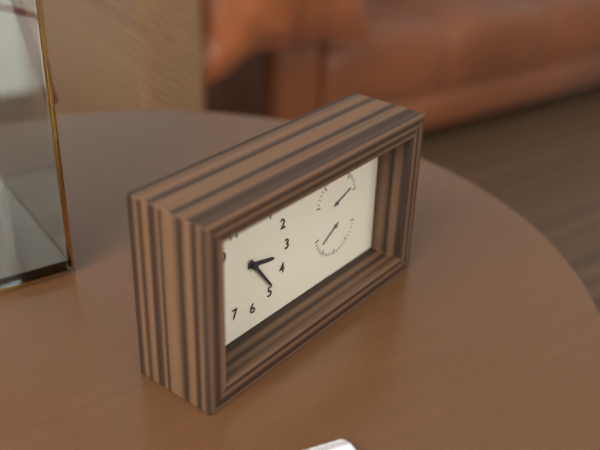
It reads 3h24
